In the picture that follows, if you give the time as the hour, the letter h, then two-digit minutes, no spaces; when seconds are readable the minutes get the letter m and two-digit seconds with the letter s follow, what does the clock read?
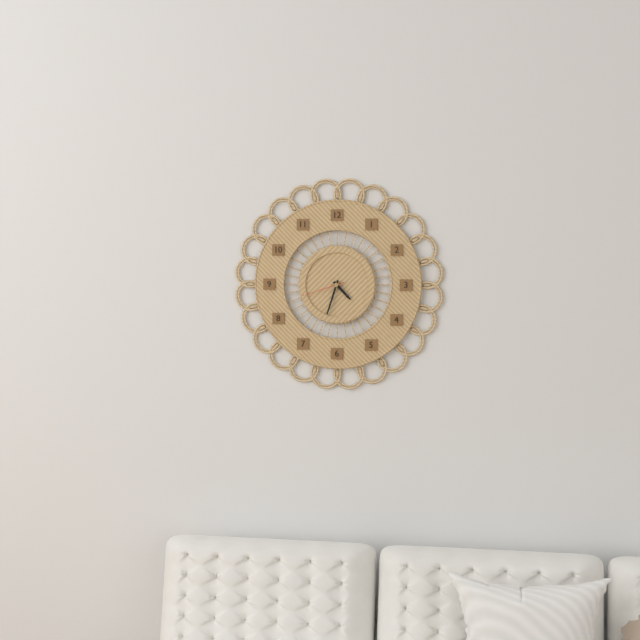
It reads 4h33
